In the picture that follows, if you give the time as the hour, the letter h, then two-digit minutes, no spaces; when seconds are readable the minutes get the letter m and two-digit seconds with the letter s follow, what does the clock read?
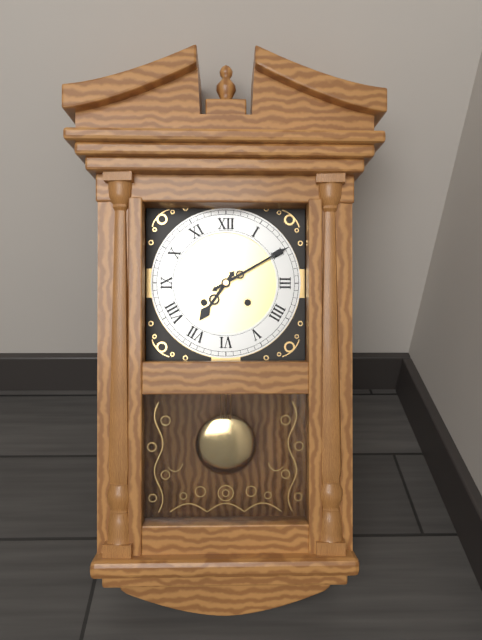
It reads 7h10
